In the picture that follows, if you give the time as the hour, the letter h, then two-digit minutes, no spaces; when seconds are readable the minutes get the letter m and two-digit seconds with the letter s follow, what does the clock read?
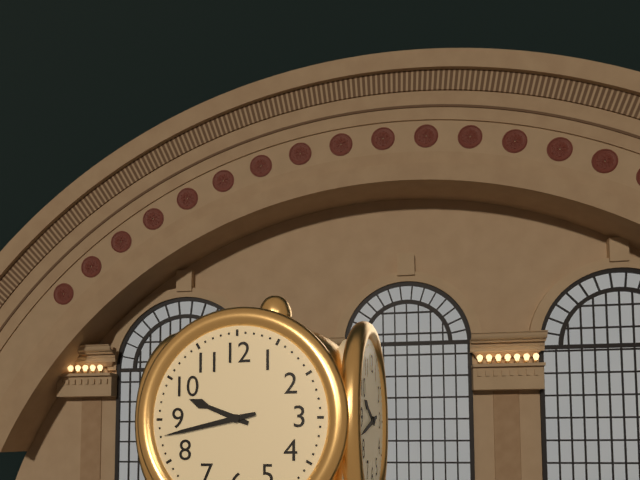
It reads 9h43
